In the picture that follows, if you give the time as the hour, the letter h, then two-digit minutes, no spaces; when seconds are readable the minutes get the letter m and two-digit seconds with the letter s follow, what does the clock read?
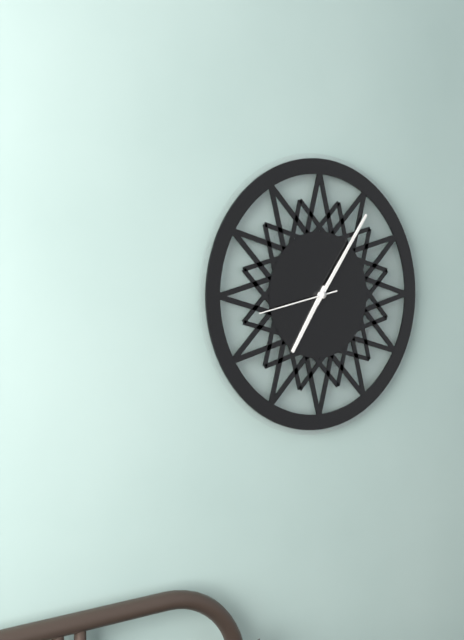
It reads 7h06m43s
